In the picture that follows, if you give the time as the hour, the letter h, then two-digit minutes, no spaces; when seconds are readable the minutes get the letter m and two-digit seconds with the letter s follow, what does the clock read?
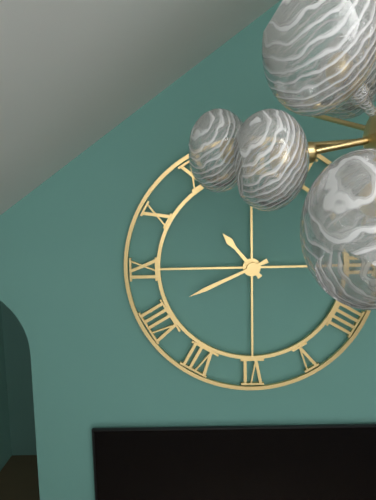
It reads 10h41
